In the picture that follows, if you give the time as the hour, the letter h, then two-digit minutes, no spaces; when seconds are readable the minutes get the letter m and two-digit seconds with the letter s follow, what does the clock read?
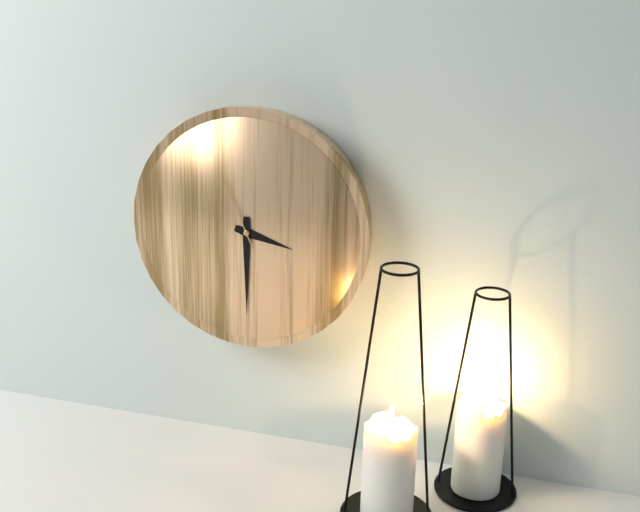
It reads 3h30m56s
